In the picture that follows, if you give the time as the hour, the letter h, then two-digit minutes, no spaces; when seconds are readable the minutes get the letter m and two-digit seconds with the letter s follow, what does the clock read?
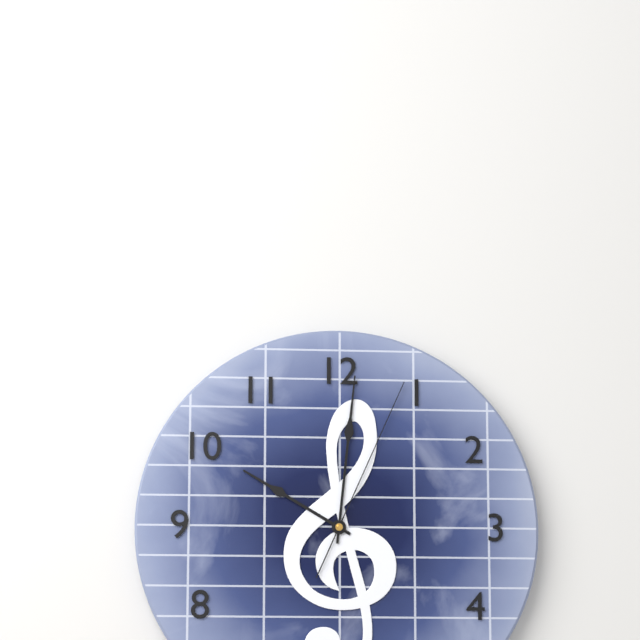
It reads 10h01m04s
